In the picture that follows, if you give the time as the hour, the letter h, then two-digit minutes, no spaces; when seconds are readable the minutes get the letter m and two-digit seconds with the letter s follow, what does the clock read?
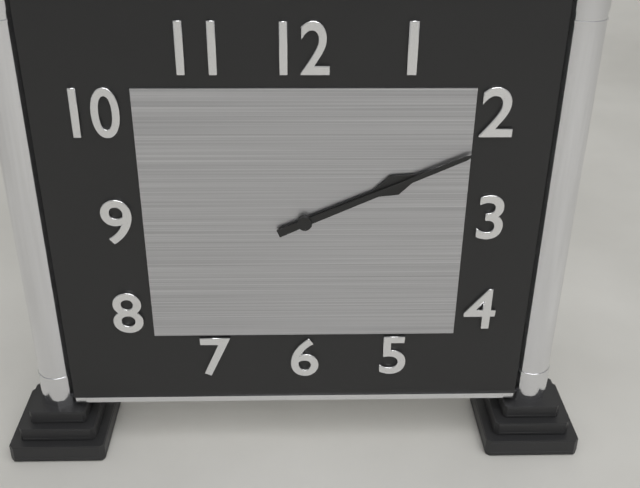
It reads 2h11
